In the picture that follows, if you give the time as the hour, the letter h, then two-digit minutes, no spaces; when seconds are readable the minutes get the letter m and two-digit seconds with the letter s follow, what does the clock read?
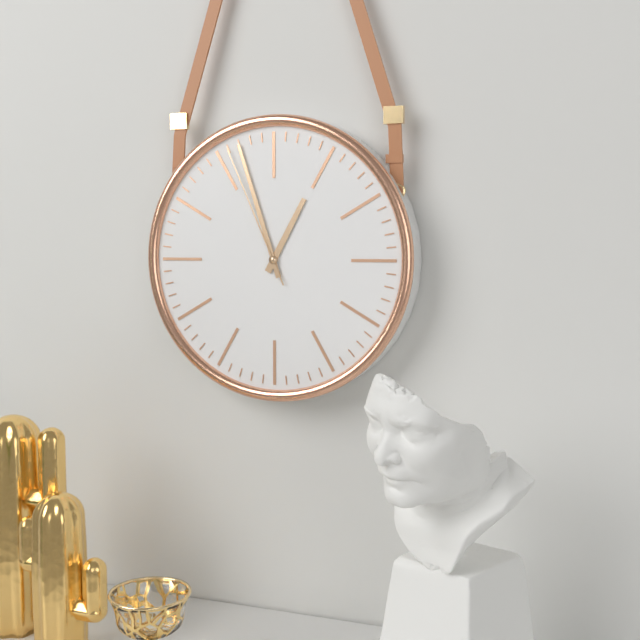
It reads 12h57m56s
